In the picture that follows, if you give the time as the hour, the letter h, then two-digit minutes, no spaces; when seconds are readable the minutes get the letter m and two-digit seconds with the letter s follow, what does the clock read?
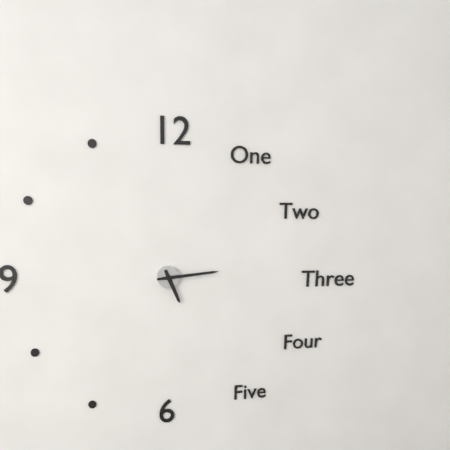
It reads 5h14
